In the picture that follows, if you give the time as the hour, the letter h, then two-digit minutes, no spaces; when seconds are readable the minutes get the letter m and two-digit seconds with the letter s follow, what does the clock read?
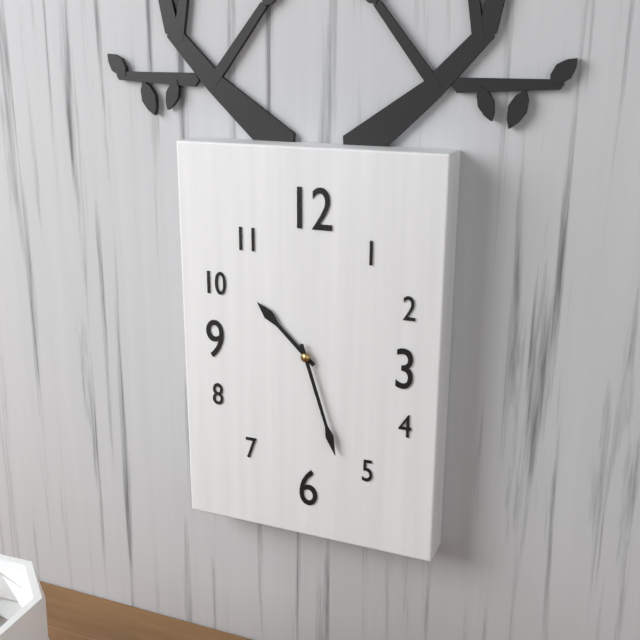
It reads 10h27
